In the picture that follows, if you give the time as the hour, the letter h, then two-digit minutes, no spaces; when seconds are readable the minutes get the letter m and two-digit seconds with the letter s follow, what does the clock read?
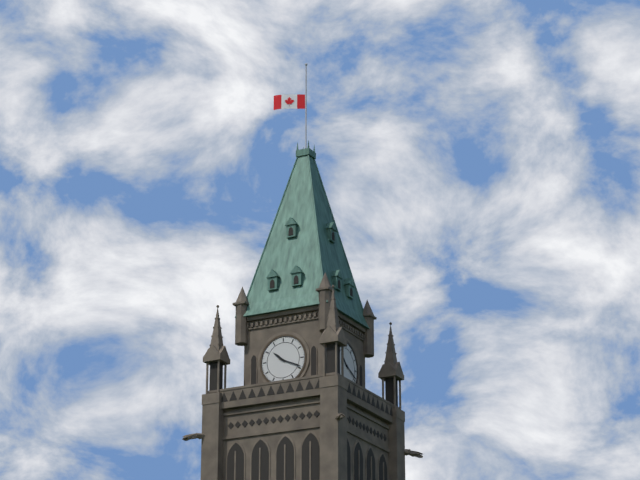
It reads 10h19
